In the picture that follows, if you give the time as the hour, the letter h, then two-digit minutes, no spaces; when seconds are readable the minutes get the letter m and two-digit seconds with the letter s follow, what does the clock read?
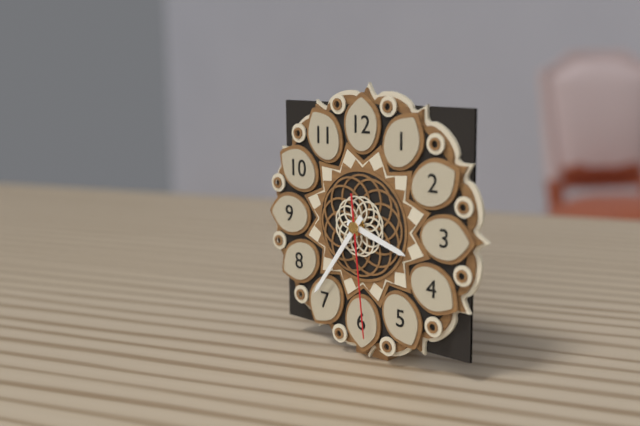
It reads 3h36m29s
